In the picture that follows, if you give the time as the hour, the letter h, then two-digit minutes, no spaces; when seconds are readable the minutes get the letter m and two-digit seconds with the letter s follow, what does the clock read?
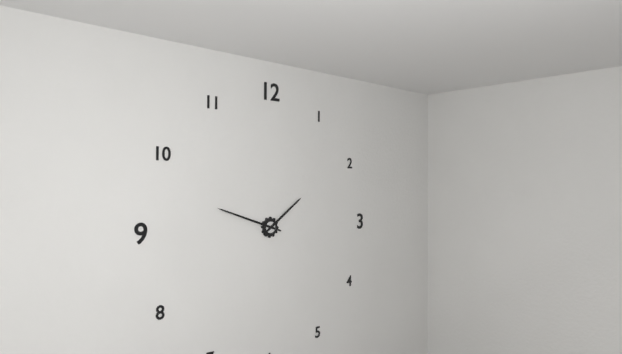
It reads 1h48
